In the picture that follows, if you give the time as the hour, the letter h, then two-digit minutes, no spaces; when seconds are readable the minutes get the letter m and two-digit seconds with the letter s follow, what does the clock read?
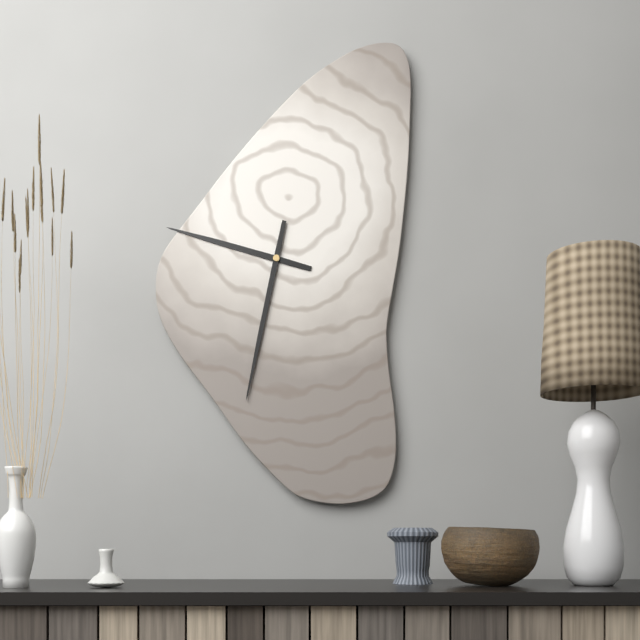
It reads 9h32
